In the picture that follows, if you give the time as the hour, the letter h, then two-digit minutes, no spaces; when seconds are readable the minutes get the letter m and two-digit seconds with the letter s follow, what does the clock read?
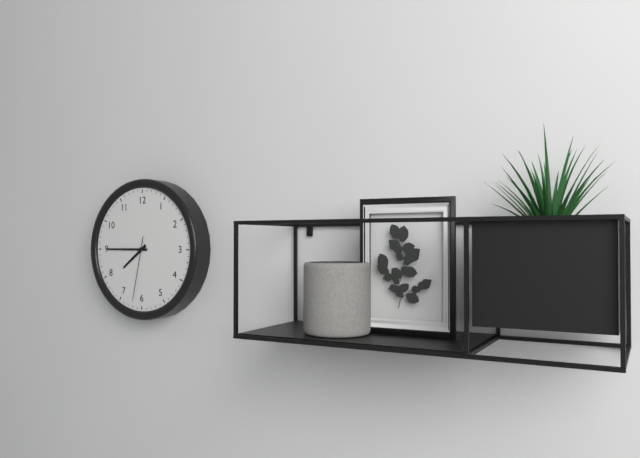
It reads 7h45m32s
